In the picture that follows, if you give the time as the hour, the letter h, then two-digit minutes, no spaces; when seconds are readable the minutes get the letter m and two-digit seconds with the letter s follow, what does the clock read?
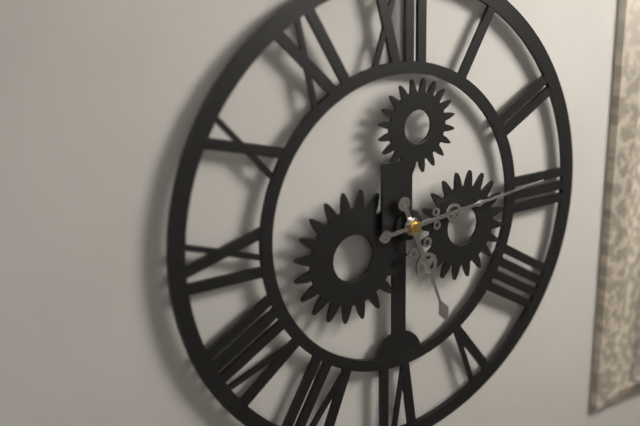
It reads 5h14
